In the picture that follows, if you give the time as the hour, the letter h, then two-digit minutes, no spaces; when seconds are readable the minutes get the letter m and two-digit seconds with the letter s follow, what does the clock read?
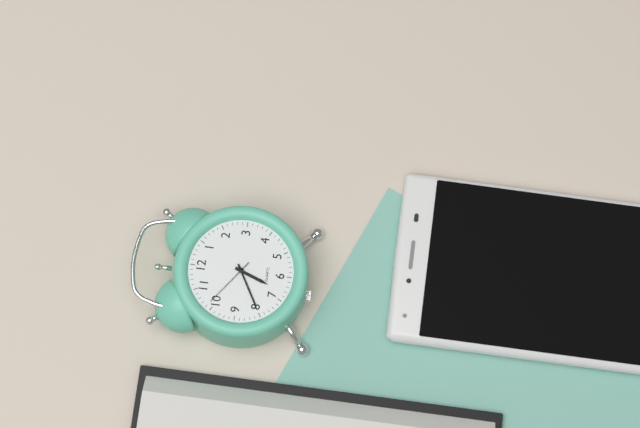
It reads 6h40m51s
